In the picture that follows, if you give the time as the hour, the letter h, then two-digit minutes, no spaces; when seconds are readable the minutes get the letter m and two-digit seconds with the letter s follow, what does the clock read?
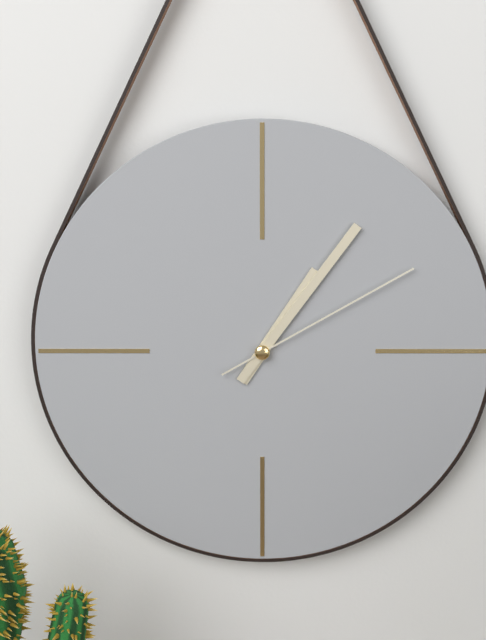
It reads 1h06m10s
